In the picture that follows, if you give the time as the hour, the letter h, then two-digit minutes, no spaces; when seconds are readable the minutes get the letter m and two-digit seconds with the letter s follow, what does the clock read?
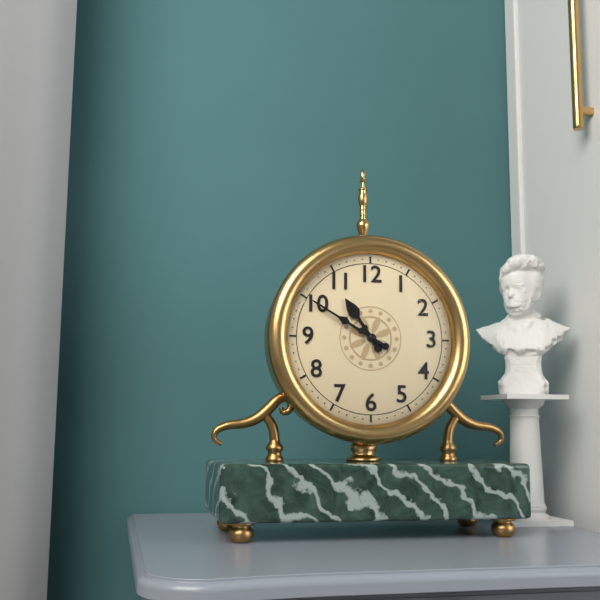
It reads 10h50
